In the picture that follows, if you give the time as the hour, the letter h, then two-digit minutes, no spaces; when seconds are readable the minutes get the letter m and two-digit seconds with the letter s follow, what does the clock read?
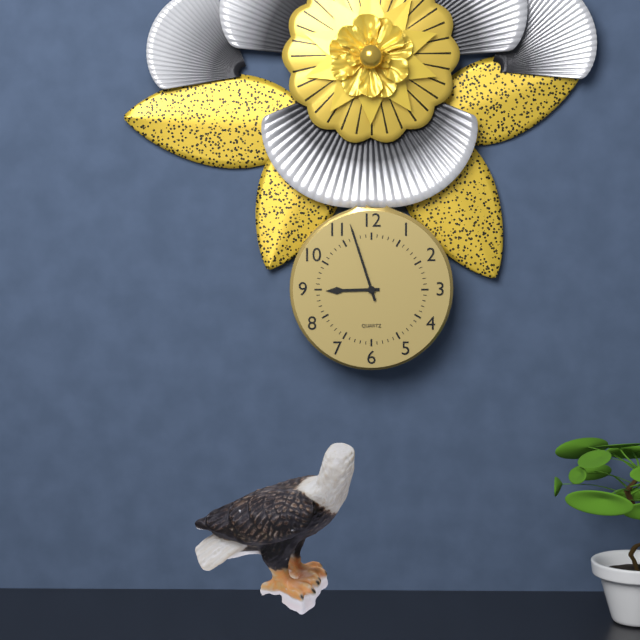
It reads 8h57
